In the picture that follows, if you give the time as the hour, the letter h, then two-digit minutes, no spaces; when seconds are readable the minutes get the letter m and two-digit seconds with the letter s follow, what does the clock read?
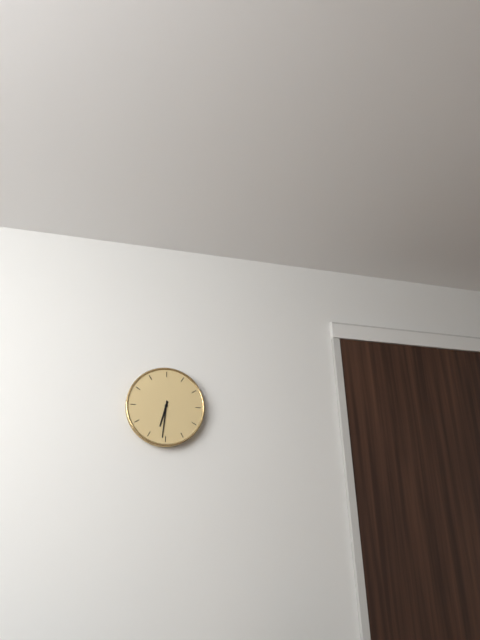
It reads 6h31
